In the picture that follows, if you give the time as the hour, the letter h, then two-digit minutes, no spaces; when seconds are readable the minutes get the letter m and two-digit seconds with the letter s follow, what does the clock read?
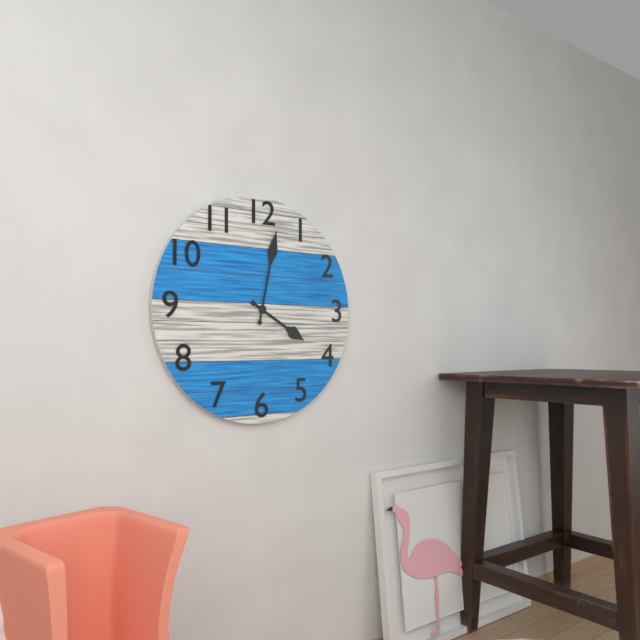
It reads 4h02
